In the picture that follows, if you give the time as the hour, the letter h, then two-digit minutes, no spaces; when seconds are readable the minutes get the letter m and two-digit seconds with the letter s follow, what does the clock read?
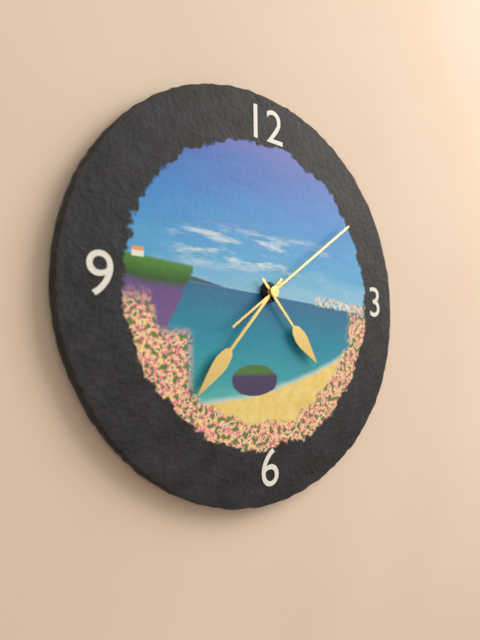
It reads 4h37m09s
